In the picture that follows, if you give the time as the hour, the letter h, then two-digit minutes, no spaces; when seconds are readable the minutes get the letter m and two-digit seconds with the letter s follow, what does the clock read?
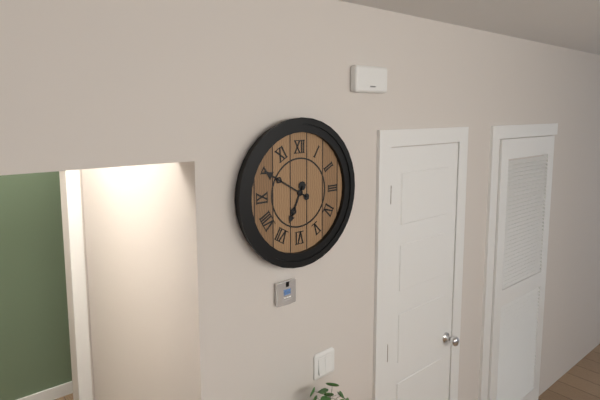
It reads 6h50
